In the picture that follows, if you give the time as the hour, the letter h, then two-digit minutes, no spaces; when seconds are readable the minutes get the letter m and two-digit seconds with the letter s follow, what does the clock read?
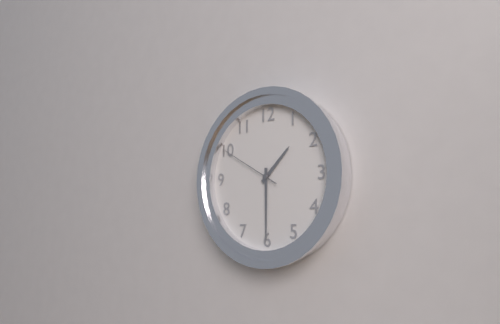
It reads 1h30m50s
